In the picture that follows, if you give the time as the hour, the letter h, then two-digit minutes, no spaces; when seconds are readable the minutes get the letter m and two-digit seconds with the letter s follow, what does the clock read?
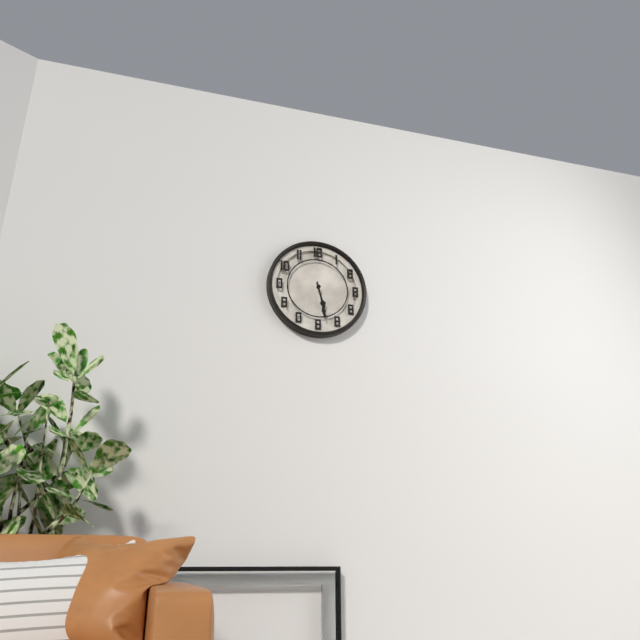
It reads 5h28
